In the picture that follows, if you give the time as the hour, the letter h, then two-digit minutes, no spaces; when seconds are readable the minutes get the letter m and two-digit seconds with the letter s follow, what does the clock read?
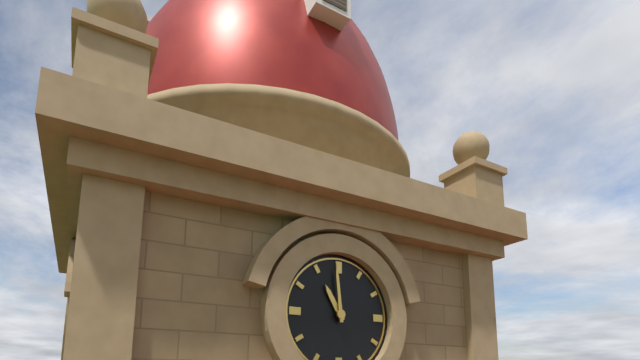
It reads 10h59
